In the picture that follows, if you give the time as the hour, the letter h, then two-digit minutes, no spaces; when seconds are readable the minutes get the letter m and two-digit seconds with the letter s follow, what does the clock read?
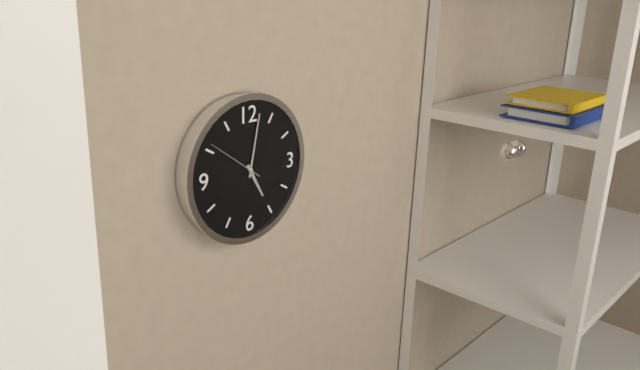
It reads 5h02m51s
